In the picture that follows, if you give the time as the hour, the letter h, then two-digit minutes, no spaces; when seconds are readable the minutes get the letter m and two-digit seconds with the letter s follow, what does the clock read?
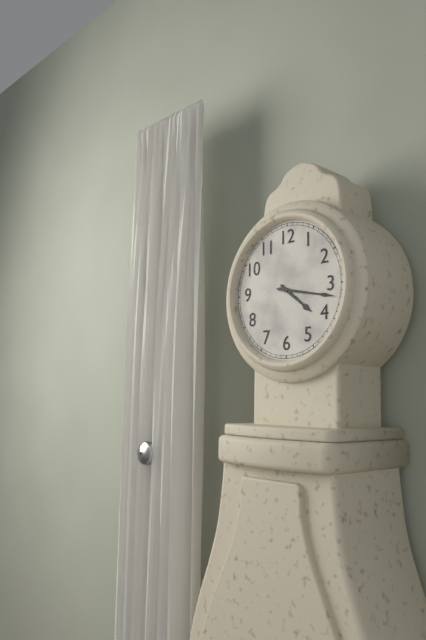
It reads 4h17
